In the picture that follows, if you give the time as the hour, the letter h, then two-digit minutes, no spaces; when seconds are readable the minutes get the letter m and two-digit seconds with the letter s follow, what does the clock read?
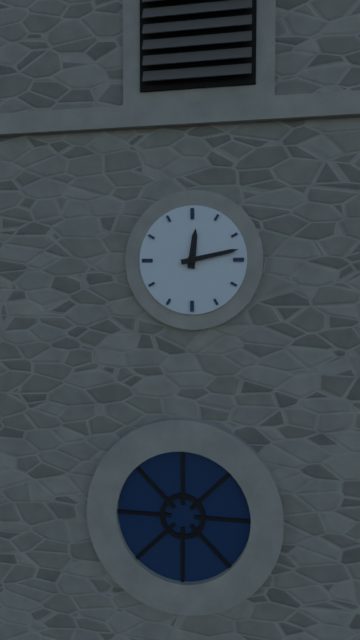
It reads 12h13
